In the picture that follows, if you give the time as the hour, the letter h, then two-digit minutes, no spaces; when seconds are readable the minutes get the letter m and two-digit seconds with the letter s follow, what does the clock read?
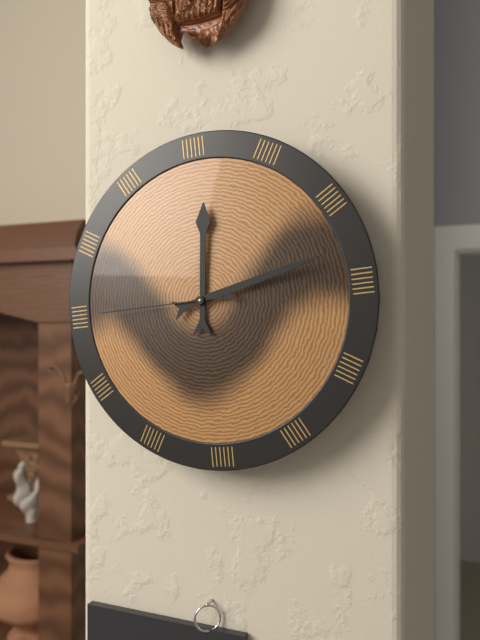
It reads 12h13m45s
